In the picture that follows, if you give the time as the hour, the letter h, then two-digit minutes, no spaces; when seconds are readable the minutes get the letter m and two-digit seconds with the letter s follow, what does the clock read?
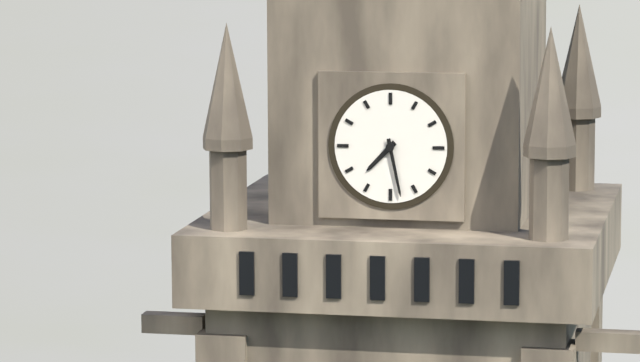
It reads 7h28
